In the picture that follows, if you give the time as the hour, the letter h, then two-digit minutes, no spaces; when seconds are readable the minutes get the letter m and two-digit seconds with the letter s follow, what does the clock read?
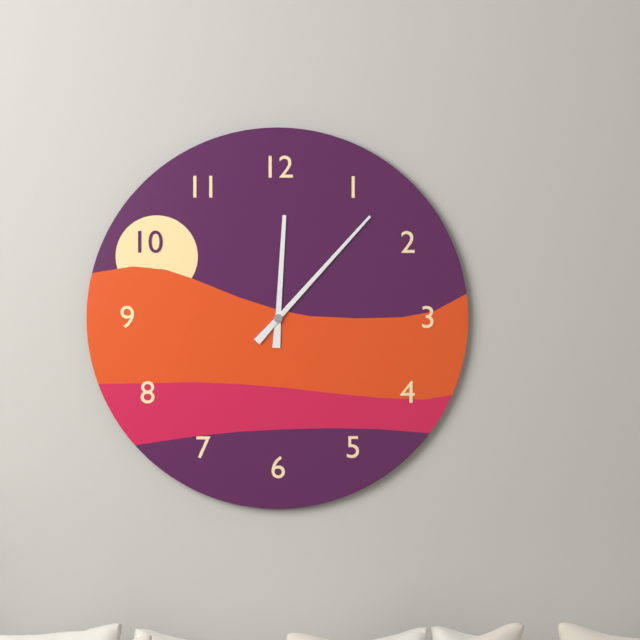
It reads 12h07
